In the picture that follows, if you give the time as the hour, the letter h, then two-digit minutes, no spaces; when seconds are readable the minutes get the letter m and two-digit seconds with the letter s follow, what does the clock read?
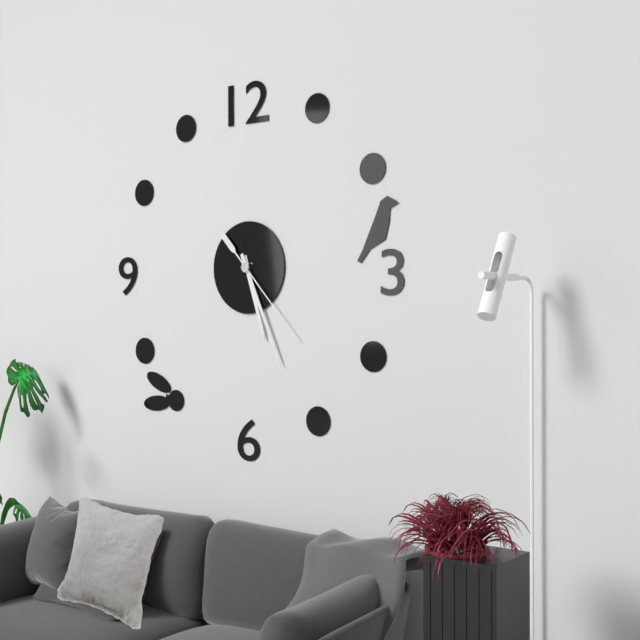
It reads 5h26m23s
